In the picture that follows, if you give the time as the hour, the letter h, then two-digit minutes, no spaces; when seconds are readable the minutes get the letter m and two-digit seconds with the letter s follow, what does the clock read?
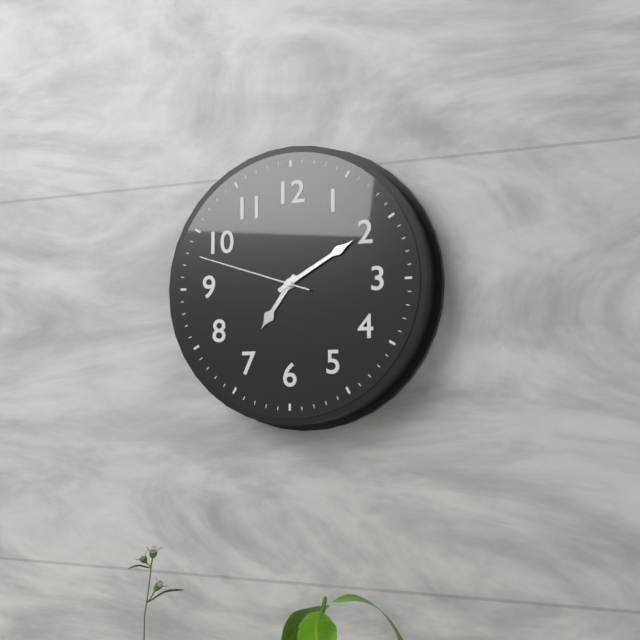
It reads 7h10m48s
